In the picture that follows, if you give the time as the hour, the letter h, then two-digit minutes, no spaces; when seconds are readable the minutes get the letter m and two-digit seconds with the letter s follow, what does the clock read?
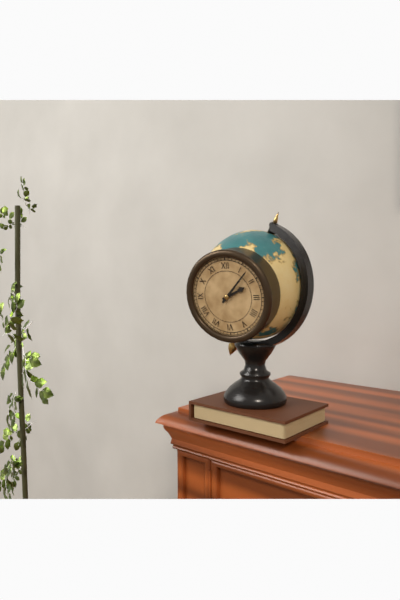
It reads 2h07
